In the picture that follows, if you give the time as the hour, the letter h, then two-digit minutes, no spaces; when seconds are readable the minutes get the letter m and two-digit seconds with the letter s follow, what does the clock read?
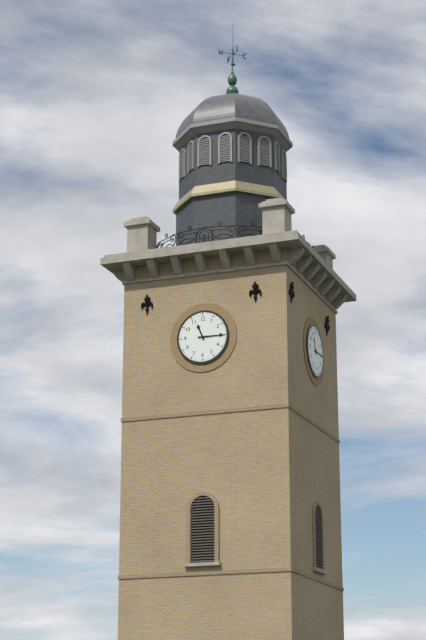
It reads 11h15
